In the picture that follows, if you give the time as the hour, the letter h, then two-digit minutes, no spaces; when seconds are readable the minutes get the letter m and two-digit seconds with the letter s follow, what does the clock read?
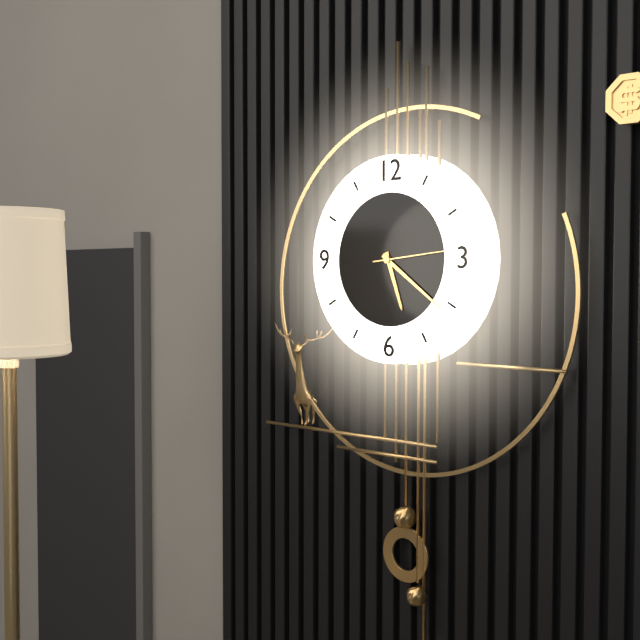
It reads 5h21m14s
